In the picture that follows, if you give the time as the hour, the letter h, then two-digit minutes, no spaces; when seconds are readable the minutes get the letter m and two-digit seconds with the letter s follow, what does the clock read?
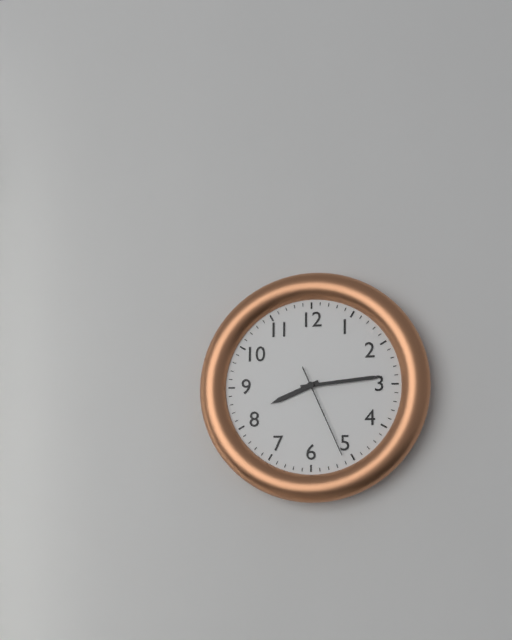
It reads 8h14m26s
